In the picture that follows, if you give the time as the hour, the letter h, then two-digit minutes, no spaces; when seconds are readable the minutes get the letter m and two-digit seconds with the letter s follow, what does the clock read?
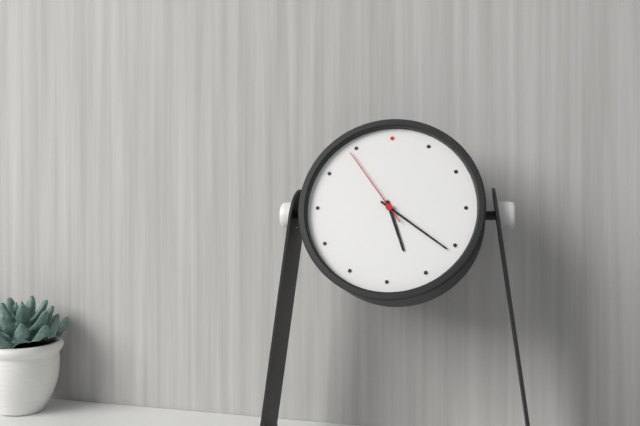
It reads 5h21m54s
